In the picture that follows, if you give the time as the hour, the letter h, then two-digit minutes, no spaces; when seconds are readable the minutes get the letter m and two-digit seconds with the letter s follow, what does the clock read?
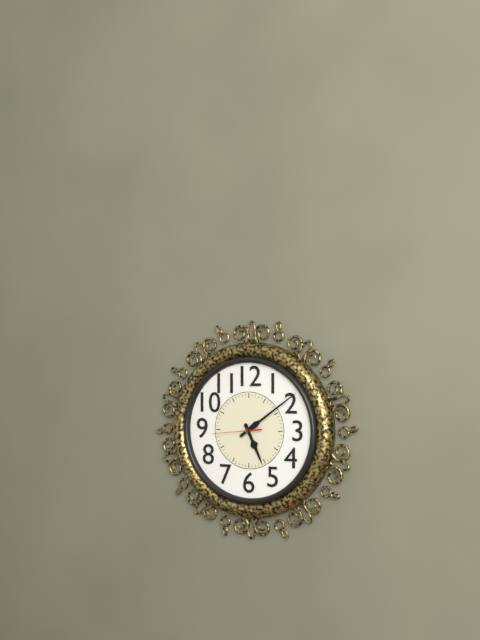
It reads 5h09
